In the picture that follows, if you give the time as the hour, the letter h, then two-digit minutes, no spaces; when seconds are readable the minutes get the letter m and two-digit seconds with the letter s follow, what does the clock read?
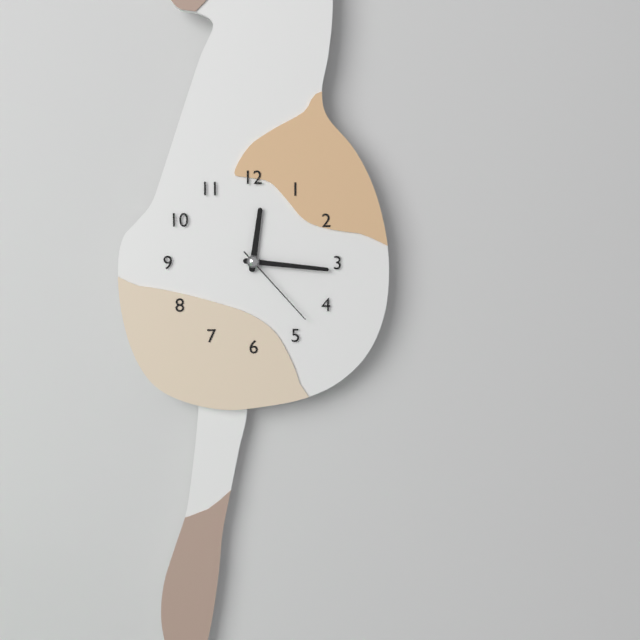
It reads 12h16m23s
